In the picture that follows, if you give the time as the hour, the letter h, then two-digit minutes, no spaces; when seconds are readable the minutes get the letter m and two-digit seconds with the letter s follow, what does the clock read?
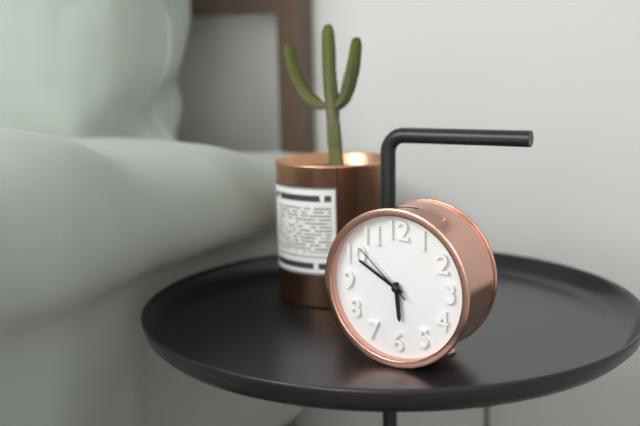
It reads 5h50m52s
